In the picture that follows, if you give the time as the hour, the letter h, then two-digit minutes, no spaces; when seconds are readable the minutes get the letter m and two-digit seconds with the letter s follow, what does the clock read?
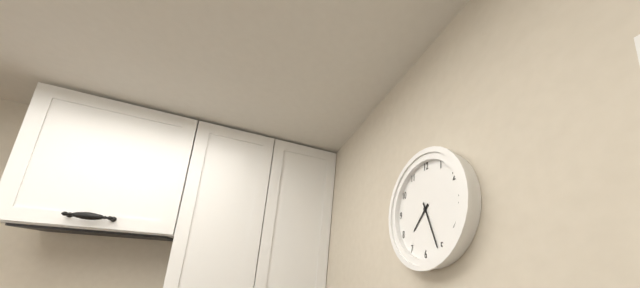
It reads 7h26
